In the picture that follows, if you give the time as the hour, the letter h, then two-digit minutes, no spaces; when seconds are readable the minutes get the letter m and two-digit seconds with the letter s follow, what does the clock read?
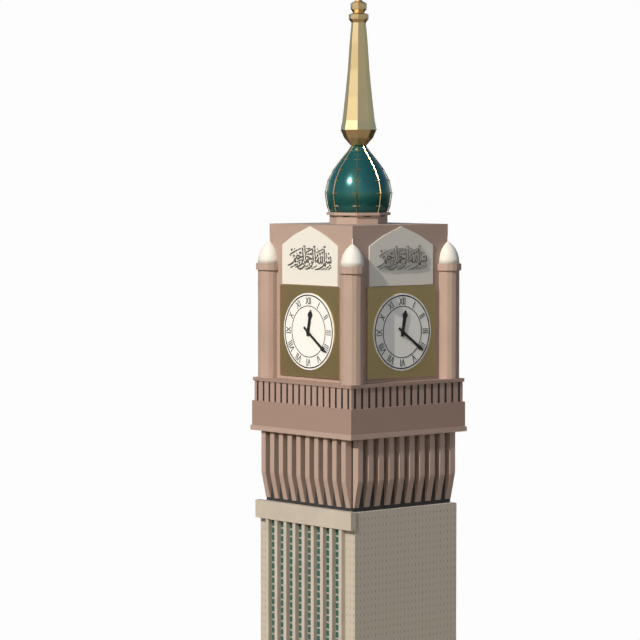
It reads 12h21
